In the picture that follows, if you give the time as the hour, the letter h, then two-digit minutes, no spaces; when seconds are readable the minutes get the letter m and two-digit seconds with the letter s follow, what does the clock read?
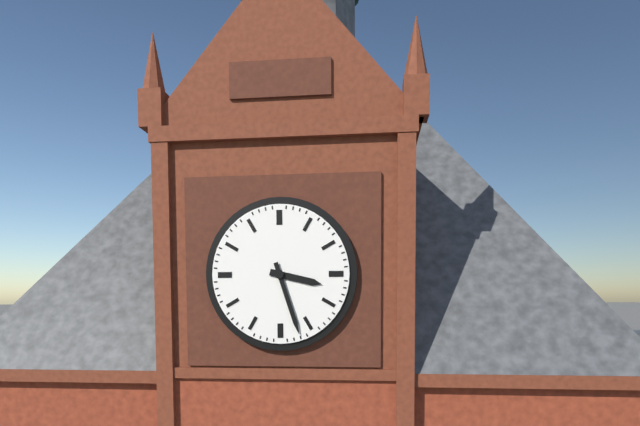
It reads 3h27
